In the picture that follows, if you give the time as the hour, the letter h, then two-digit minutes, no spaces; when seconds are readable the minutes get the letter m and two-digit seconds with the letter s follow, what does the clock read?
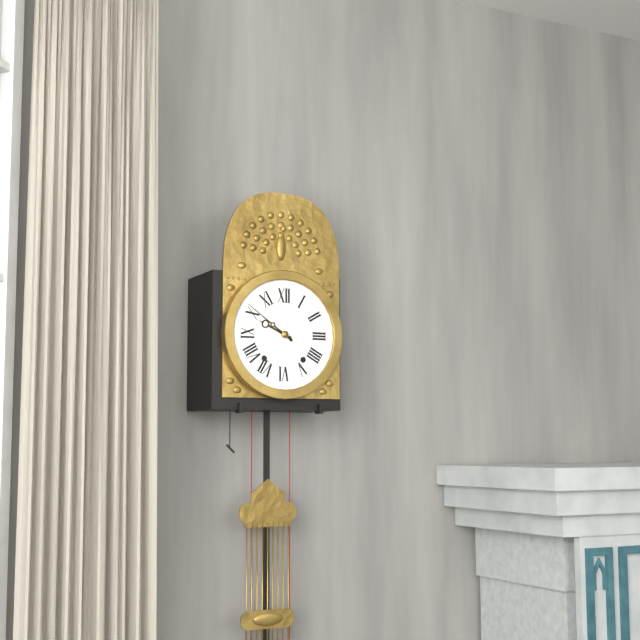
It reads 9h51
